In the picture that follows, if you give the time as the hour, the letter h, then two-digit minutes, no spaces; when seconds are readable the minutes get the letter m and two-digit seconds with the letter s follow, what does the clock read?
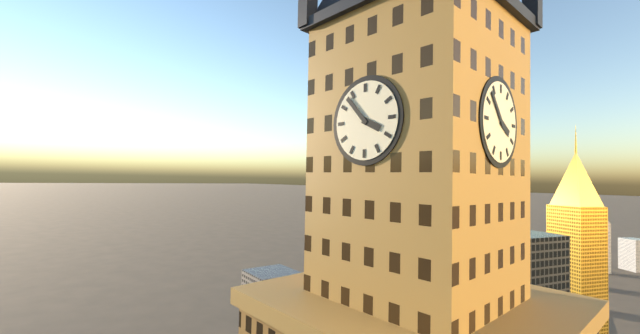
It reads 3h53
